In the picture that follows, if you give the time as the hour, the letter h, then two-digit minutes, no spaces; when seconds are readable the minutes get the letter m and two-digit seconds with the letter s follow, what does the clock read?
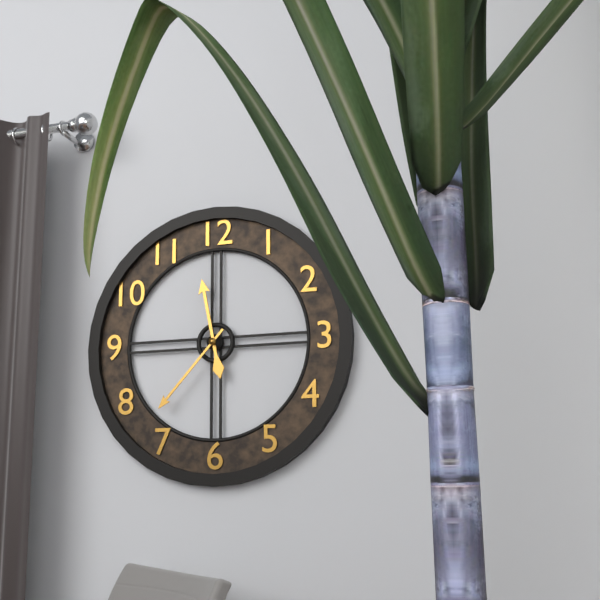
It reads 11h37
